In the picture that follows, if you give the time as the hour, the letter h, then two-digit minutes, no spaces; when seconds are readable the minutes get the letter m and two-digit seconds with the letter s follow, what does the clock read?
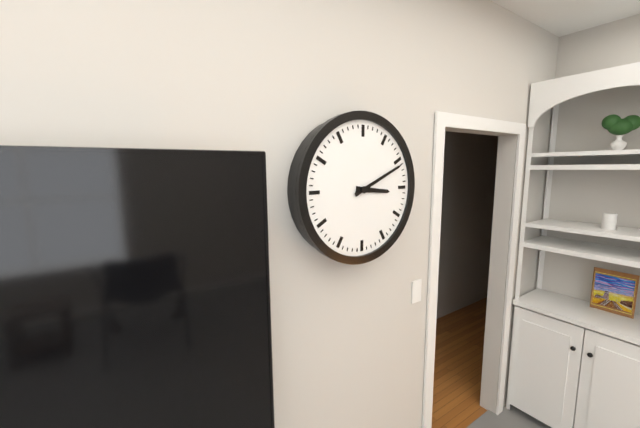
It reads 3h11
